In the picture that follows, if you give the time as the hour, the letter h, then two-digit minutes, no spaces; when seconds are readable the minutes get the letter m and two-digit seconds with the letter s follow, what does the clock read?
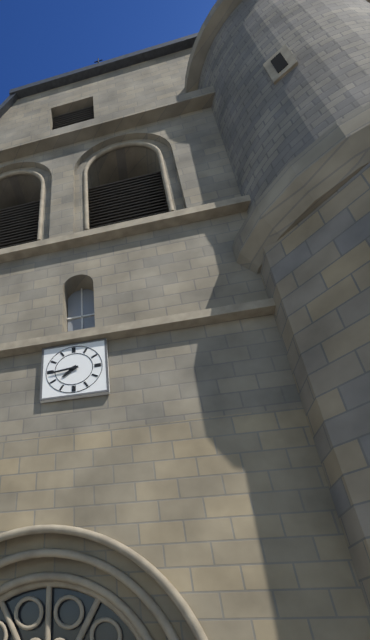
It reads 7h44
